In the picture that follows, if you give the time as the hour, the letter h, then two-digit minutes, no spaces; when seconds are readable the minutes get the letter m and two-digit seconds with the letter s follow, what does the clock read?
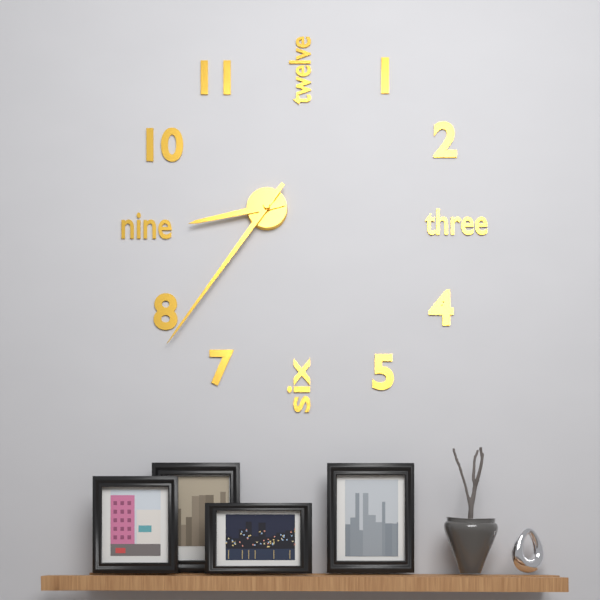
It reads 8h36
